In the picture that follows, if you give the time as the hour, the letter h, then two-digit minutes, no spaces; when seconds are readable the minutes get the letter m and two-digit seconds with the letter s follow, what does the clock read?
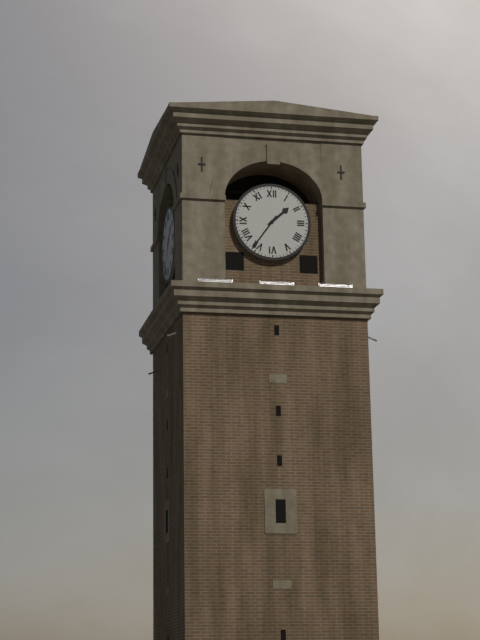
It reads 1h36
